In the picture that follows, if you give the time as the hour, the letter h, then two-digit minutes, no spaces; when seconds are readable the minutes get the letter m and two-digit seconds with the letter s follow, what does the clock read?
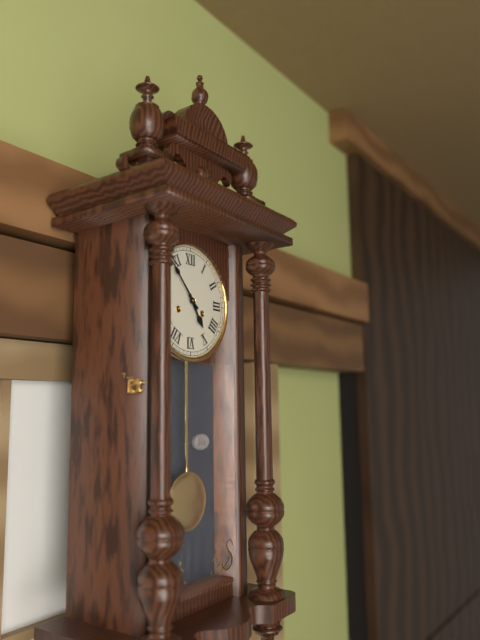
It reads 4h53
